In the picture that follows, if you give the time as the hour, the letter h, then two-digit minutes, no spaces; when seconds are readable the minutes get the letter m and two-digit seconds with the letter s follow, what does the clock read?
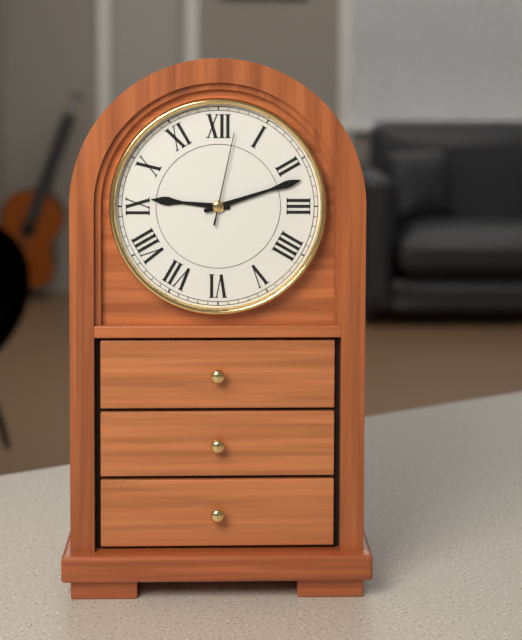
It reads 9h12m02s
